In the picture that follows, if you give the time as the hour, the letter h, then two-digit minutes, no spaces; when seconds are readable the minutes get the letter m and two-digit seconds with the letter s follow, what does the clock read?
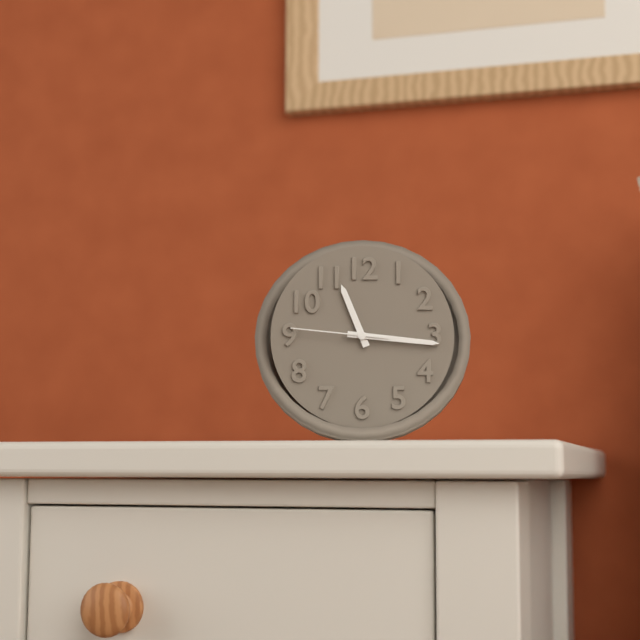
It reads 11h16m46s
